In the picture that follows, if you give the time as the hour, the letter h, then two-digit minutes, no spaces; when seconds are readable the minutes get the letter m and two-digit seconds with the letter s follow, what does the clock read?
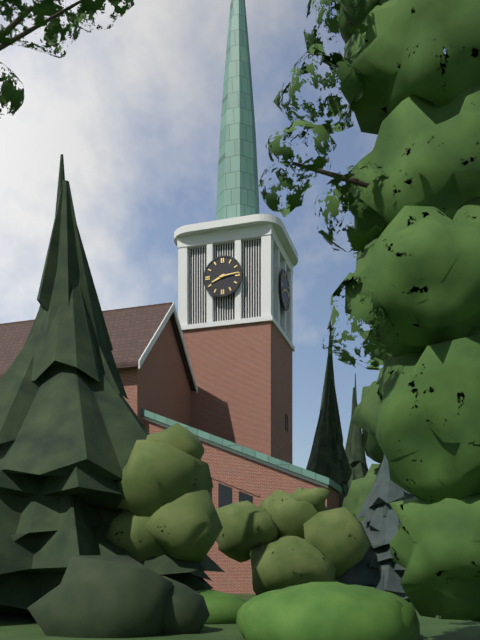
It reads 8h14
